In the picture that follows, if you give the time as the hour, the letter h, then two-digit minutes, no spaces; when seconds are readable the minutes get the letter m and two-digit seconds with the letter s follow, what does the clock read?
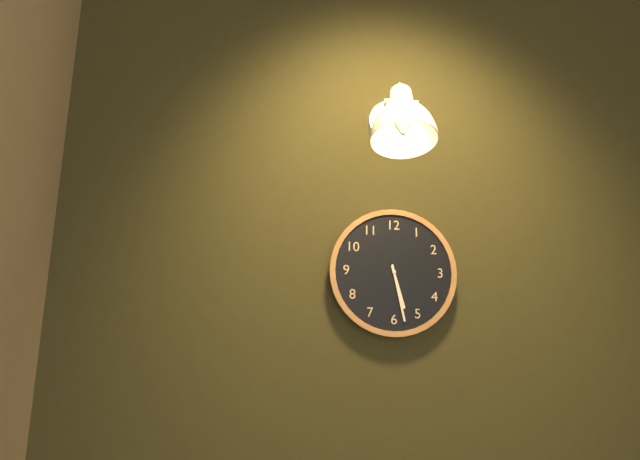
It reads 5h28
